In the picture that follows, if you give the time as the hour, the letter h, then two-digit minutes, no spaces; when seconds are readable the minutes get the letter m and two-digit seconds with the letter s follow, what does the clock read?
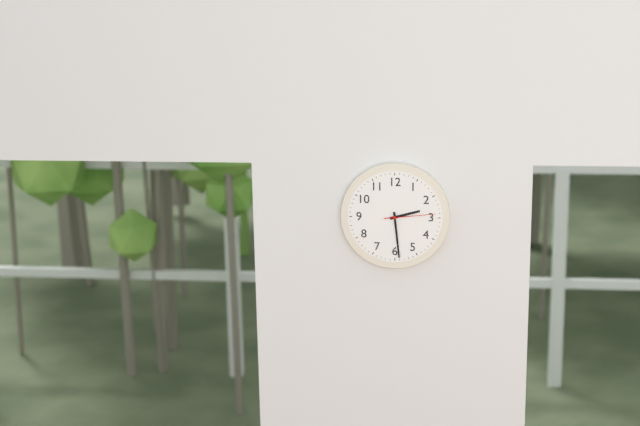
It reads 2h29m14s
